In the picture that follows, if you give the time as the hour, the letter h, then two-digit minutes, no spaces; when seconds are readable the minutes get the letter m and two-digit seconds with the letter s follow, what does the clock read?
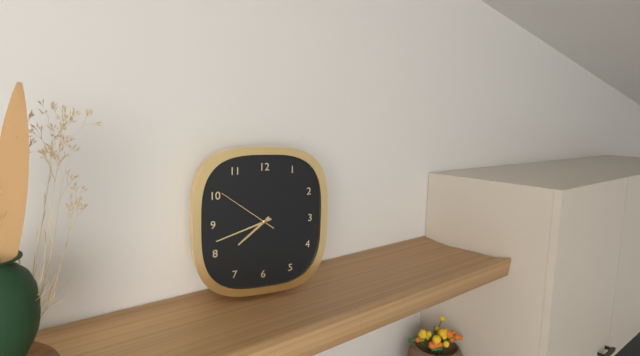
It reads 7h42m51s
